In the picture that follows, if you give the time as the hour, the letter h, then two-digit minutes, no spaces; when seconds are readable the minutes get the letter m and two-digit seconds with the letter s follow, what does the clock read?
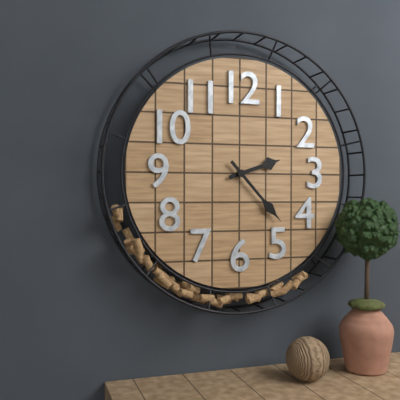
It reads 2h23
